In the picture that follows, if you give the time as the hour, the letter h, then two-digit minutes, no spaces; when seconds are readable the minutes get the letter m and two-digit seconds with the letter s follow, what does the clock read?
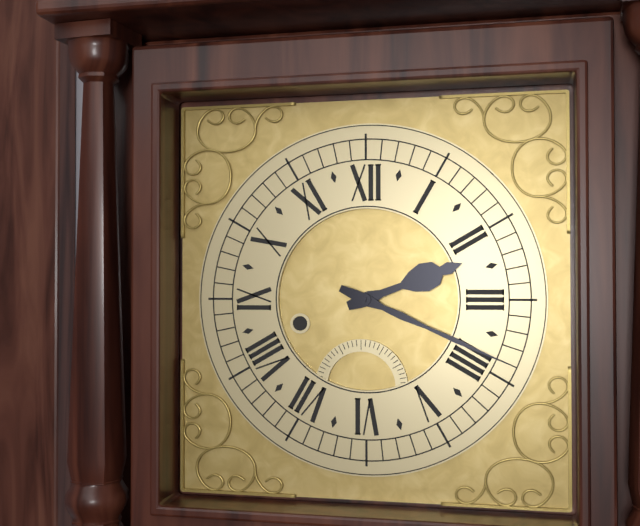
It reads 2h19
